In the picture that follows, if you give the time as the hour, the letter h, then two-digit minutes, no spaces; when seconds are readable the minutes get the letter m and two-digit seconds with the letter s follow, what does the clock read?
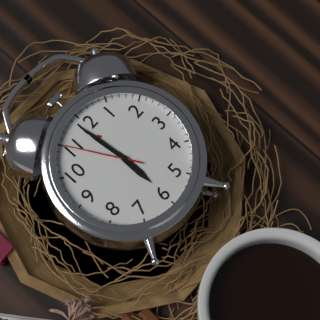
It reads 5h59m55s
